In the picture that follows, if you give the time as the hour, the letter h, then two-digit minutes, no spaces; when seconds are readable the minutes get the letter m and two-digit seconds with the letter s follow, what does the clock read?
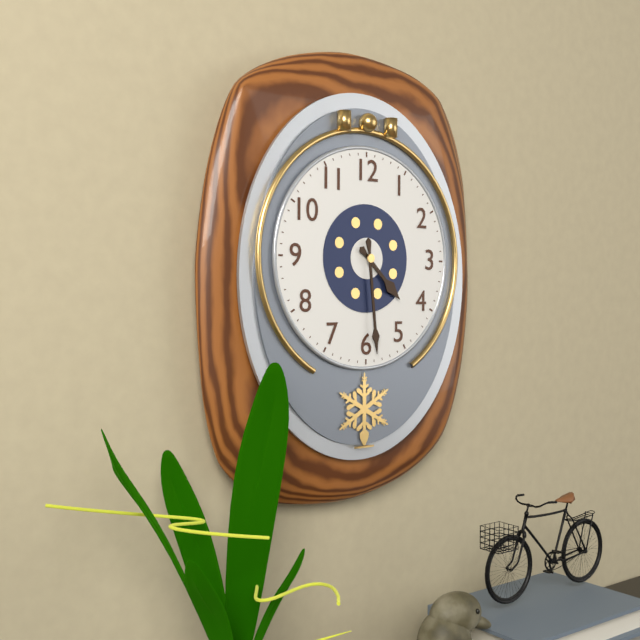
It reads 4h29
